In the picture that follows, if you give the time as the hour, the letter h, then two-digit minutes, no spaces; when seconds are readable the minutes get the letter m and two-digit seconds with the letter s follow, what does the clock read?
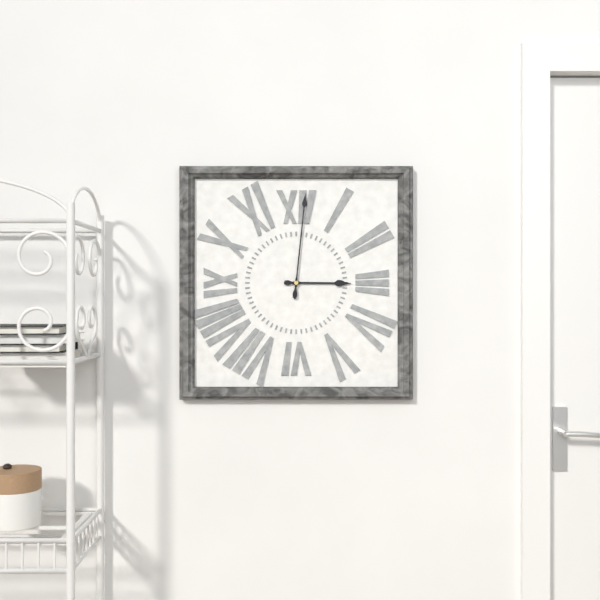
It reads 3h01
